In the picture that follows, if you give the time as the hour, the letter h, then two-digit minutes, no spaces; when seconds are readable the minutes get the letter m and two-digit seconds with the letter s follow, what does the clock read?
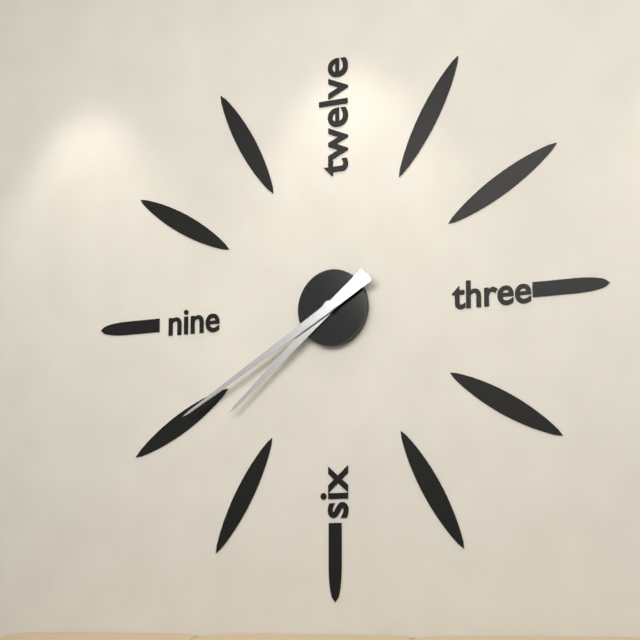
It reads 7h40
